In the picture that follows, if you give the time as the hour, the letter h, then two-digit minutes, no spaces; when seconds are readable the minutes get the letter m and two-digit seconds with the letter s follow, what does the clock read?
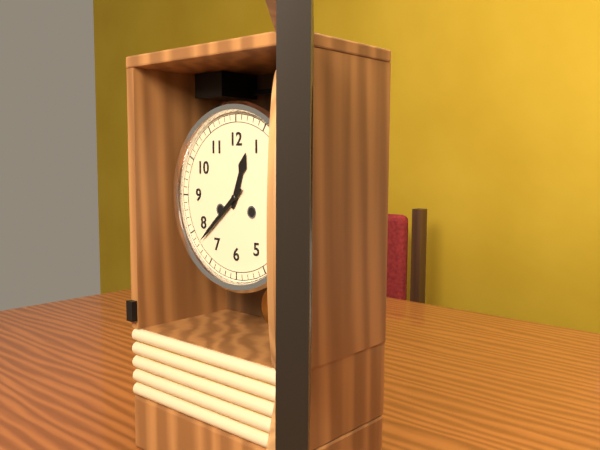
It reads 12h38
